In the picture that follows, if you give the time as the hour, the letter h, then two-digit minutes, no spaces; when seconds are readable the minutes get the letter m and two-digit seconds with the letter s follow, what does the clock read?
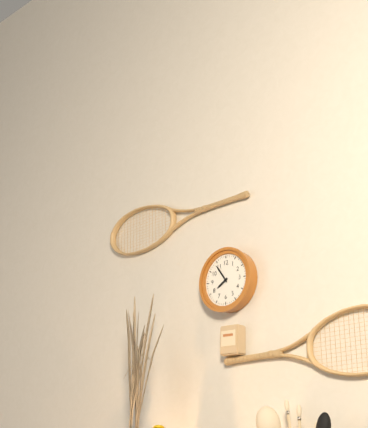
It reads 7h54
